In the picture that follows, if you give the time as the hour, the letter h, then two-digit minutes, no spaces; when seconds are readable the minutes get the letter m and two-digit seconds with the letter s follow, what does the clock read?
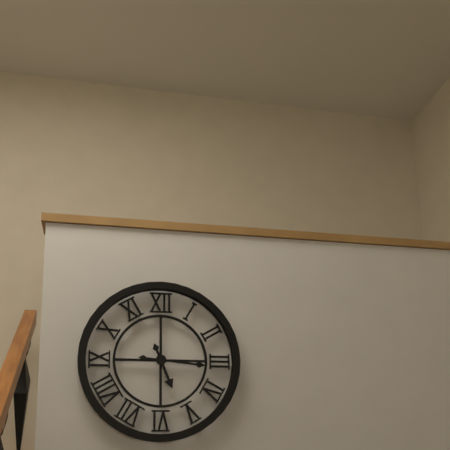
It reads 5h16
